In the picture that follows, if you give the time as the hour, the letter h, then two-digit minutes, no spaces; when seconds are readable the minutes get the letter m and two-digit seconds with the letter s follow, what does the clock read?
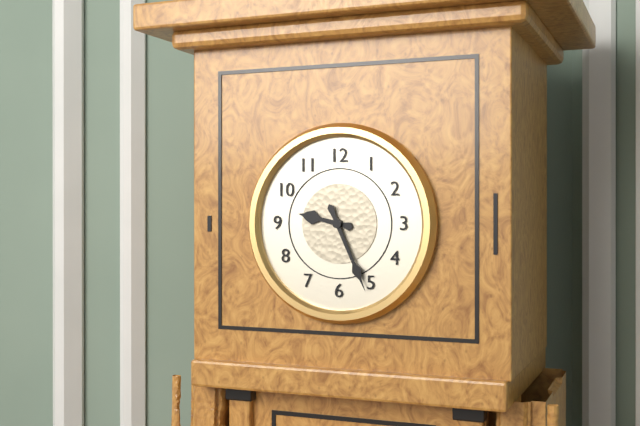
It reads 9h26
